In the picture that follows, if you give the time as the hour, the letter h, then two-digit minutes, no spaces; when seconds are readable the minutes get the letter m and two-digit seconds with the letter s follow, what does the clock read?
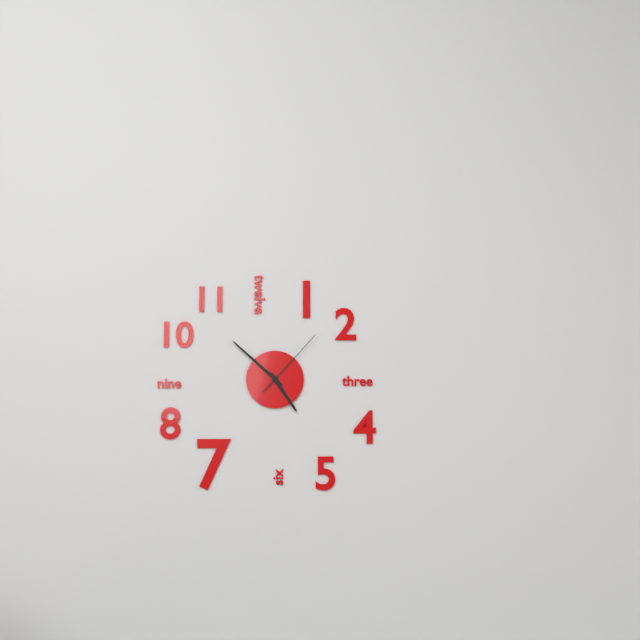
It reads 4h52m07s
